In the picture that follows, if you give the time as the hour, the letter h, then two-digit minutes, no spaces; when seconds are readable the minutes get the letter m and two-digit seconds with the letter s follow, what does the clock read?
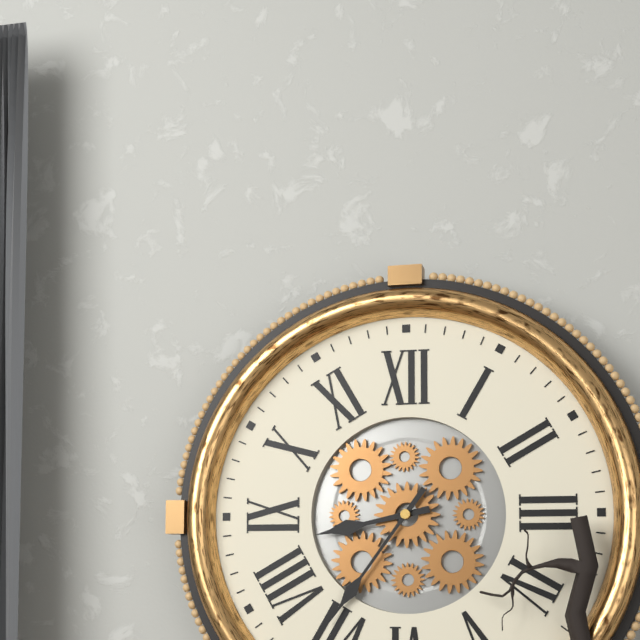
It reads 8h36
